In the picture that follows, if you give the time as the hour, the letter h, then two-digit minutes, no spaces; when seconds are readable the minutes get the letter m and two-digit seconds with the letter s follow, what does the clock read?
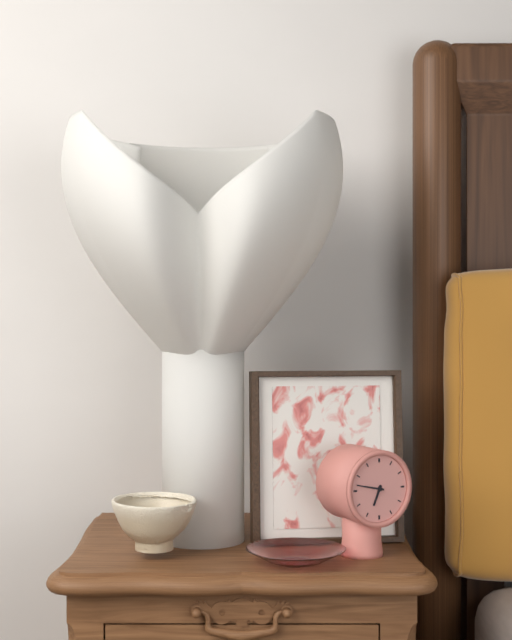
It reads 6h47
